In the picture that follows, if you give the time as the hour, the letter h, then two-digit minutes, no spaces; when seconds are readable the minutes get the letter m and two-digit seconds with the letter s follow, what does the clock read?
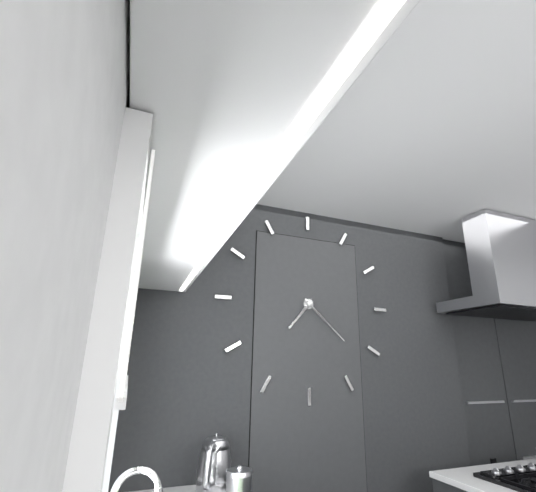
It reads 7h22
